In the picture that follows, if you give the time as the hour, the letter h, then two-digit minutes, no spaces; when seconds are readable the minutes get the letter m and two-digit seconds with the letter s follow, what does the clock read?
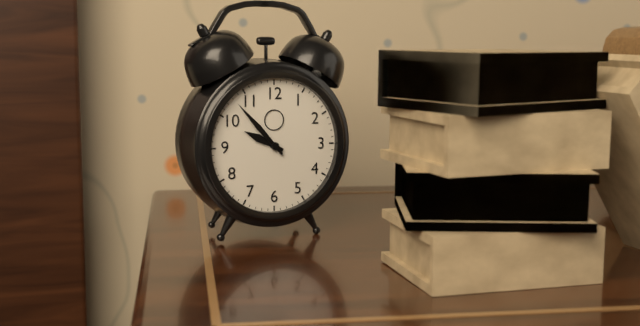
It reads 9h53
